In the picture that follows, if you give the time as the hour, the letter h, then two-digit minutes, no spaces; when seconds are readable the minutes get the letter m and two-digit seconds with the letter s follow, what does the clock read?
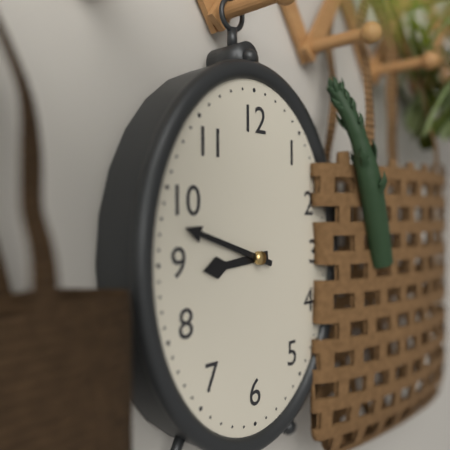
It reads 8h48
